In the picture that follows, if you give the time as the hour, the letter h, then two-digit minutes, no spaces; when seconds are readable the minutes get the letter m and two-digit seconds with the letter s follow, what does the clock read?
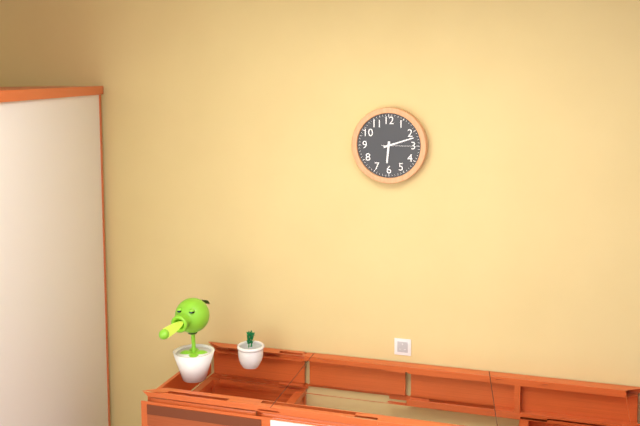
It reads 6h12
